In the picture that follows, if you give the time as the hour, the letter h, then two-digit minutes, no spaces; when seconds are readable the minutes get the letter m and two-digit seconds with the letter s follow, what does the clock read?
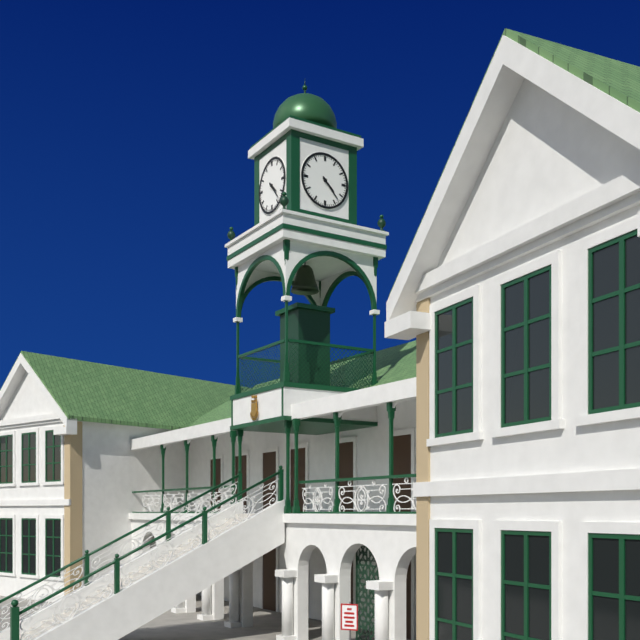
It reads 4h23
